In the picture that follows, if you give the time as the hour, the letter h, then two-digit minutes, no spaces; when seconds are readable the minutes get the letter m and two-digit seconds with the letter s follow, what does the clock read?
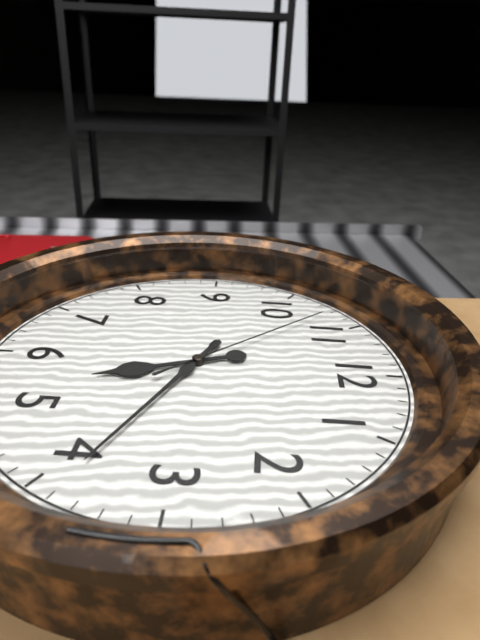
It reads 5h19m53s
